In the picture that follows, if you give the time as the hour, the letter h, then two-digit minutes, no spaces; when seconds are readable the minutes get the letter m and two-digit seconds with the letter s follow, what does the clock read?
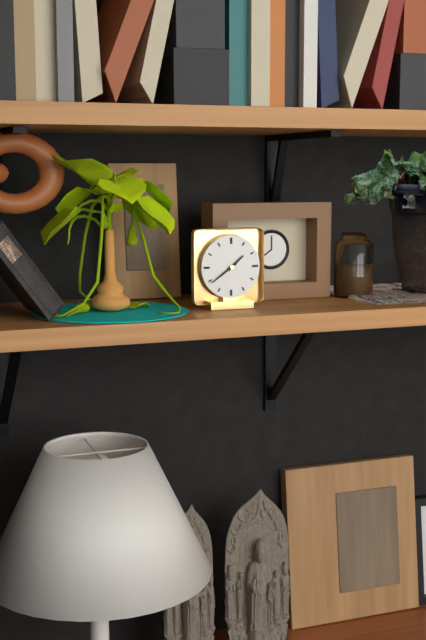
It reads 1h39
